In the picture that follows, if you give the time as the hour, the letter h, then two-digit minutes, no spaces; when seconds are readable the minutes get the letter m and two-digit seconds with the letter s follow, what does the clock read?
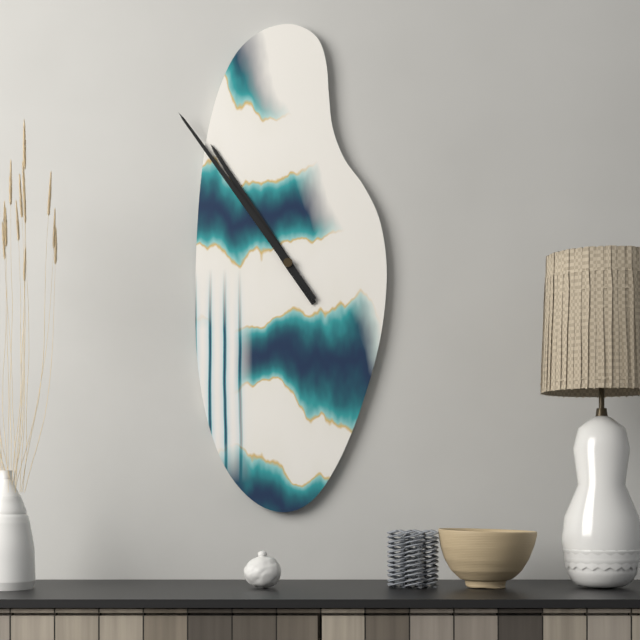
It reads 10h54
